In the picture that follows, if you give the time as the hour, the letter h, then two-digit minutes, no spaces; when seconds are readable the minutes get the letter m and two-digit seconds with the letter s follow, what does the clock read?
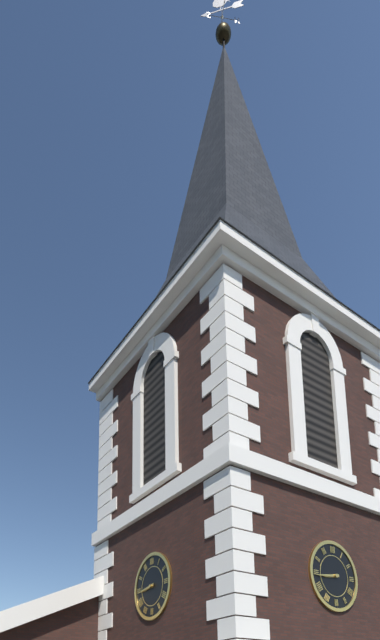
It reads 8h44
